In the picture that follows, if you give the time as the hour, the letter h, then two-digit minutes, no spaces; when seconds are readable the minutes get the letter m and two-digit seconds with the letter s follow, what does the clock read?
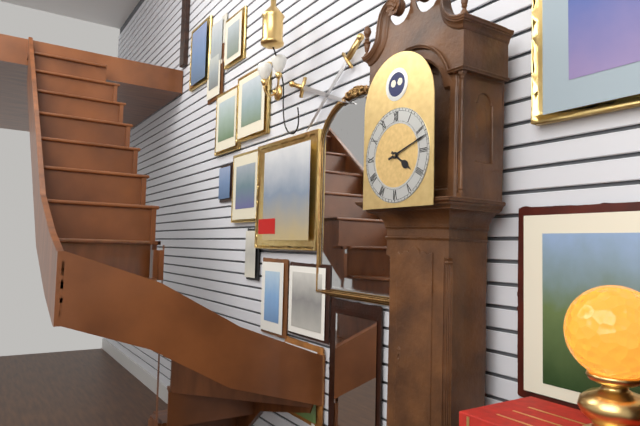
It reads 4h12
